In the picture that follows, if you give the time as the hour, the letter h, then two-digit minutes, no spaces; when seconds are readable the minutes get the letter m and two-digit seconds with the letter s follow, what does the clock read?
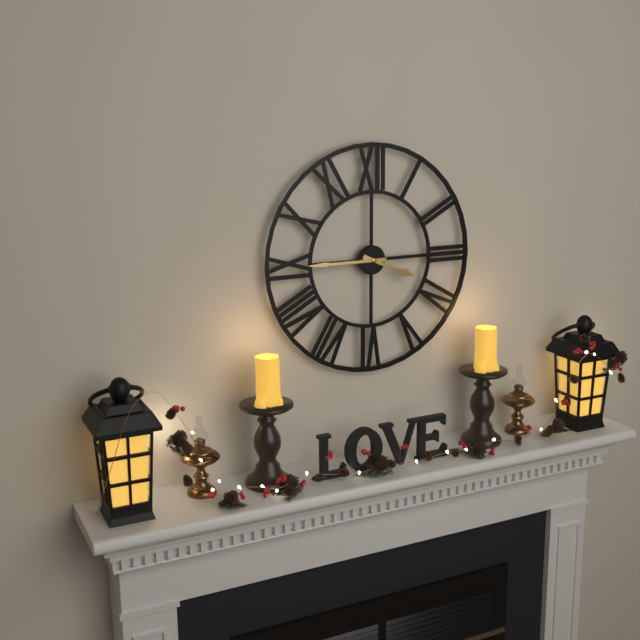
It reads 3h45
